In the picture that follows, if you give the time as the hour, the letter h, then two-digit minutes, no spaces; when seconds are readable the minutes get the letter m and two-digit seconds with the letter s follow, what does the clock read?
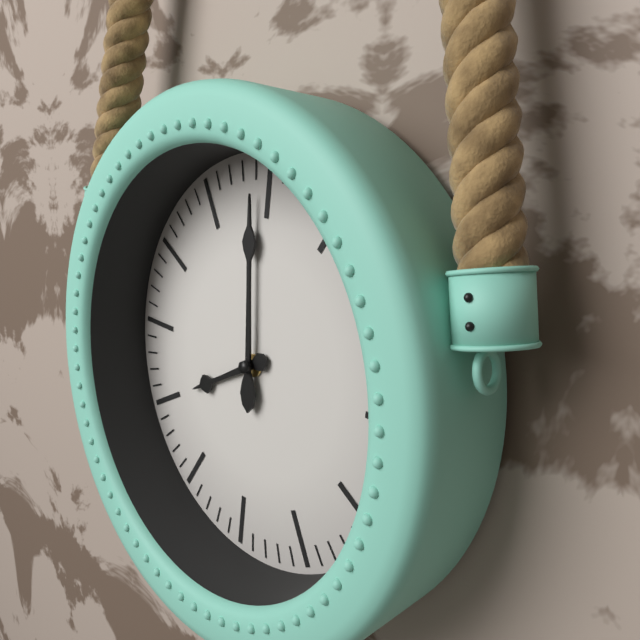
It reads 7h59
